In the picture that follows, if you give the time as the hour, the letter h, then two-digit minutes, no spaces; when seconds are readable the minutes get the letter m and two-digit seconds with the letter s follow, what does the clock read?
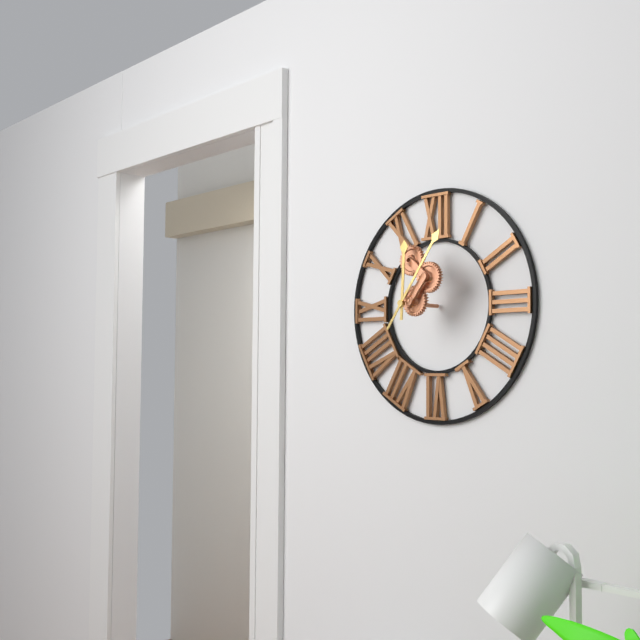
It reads 12h06
